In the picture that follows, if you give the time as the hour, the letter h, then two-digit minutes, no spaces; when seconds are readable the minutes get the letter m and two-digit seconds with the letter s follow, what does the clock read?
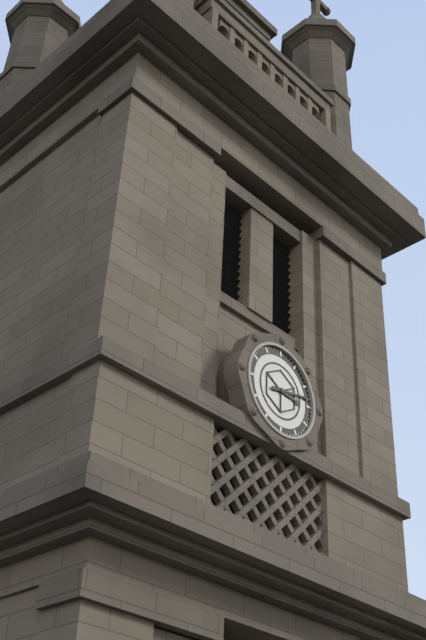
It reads 3h13
